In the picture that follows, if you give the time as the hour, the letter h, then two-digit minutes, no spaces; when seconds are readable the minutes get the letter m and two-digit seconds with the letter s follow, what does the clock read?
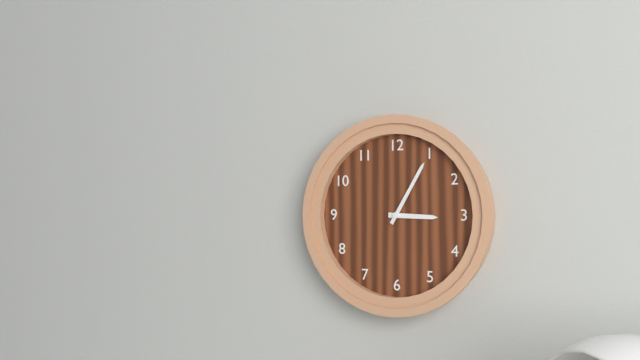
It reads 3h05
